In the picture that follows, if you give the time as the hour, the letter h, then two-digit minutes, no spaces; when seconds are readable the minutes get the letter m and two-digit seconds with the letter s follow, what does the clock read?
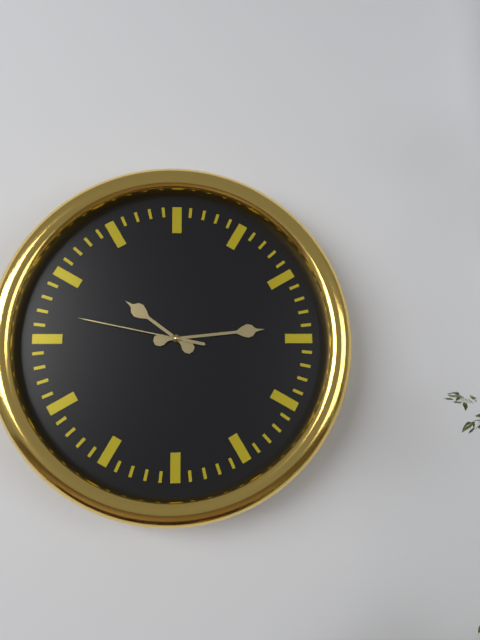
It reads 10h14m47s
